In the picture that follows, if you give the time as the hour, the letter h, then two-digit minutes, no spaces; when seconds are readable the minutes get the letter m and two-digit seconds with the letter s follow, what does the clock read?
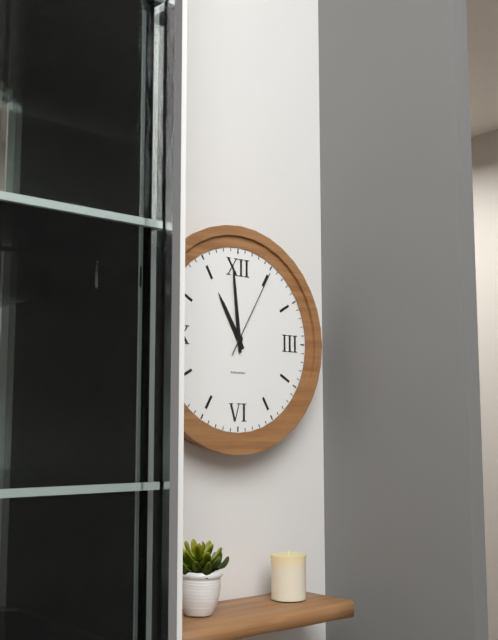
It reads 10h59m05s
